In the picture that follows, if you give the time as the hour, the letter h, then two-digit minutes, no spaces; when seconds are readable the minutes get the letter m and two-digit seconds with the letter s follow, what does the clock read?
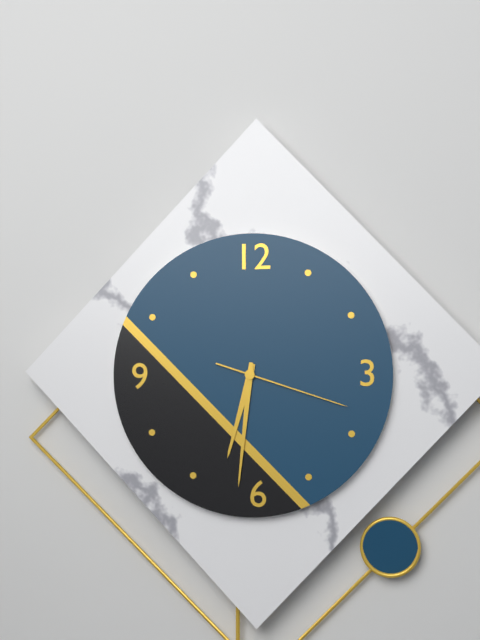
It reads 6h31m18s
